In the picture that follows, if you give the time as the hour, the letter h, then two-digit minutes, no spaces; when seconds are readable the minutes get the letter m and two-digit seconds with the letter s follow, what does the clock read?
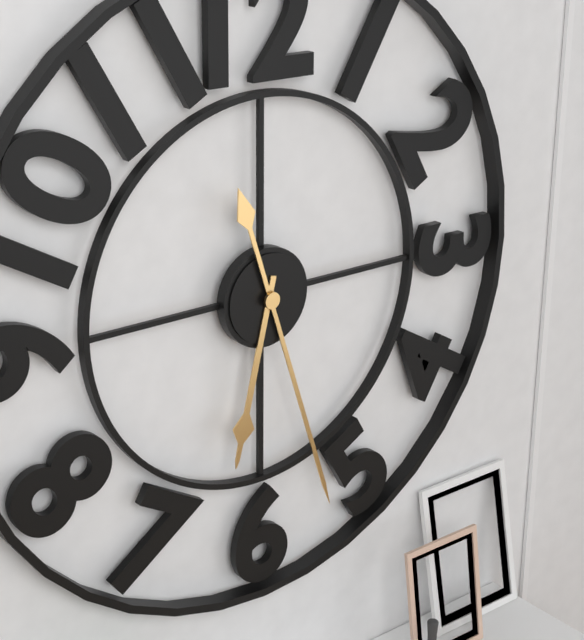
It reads 6h27
